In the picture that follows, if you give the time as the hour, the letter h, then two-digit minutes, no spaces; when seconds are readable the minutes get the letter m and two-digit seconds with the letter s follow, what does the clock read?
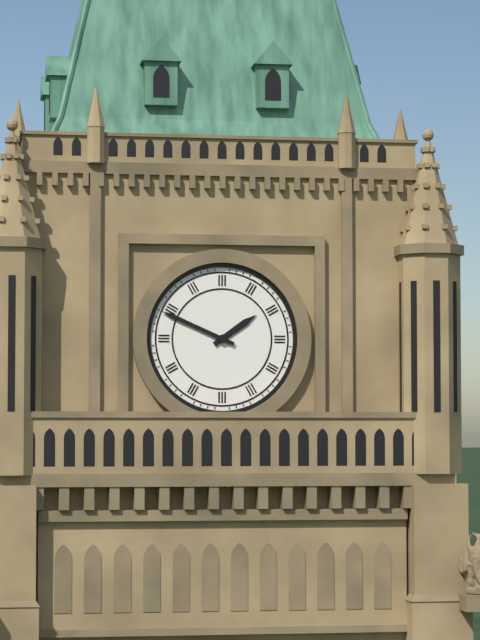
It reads 1h49
